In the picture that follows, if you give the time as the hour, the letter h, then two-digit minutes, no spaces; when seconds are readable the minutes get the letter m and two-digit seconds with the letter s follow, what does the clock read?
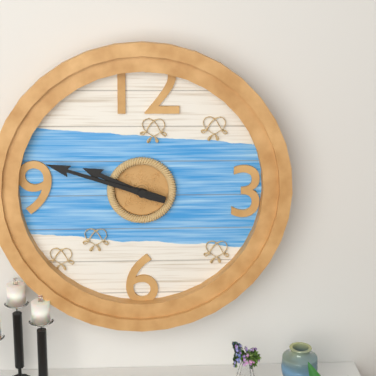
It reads 9h48
